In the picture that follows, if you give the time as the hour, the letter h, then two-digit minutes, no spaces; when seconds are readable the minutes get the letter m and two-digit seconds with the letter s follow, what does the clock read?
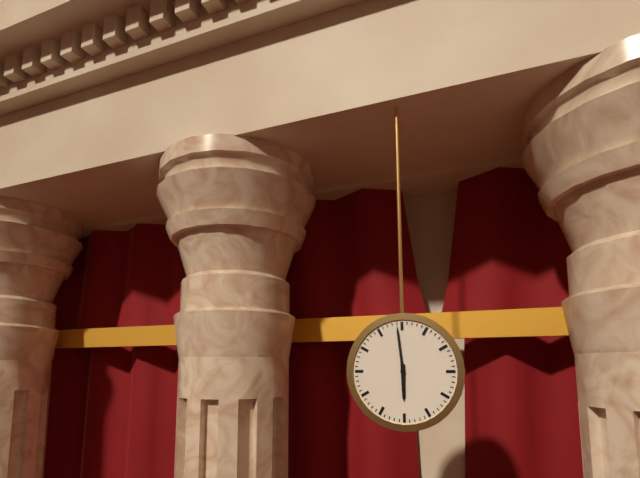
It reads 5h59
